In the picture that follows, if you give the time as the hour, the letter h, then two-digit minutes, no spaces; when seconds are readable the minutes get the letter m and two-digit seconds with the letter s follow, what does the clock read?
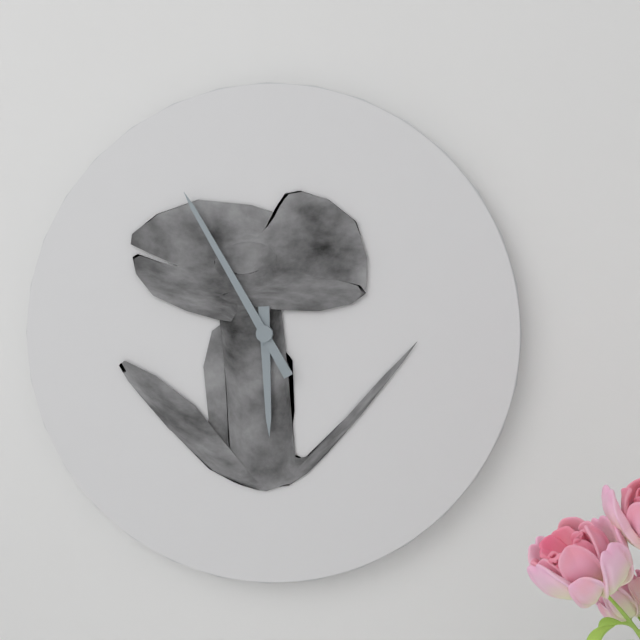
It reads 5h55
